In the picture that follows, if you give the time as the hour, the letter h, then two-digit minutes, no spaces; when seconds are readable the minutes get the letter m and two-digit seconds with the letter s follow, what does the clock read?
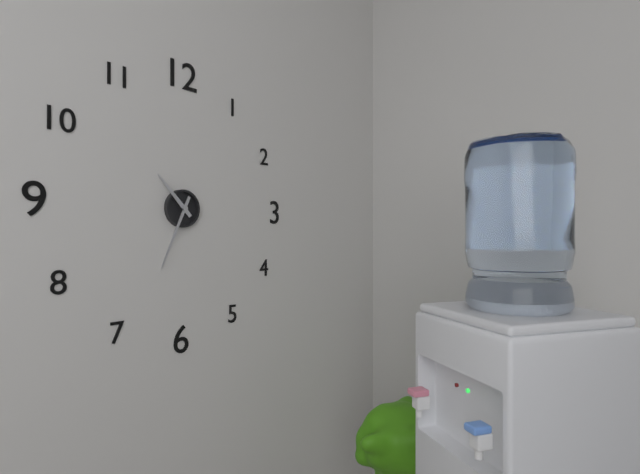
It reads 10h34
